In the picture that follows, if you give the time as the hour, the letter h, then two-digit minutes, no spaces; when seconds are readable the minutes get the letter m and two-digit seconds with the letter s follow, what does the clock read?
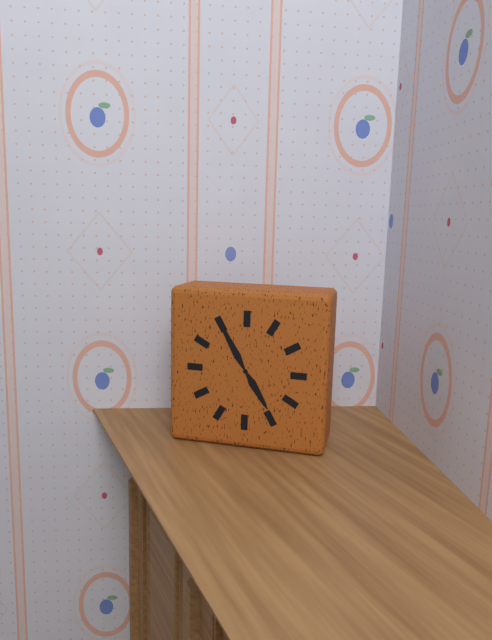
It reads 4h55
